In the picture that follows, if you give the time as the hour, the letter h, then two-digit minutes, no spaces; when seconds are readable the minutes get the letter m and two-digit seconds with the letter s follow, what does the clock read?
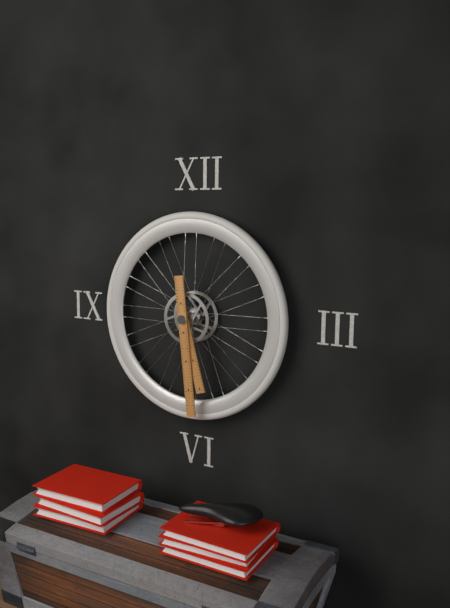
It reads 5h29
